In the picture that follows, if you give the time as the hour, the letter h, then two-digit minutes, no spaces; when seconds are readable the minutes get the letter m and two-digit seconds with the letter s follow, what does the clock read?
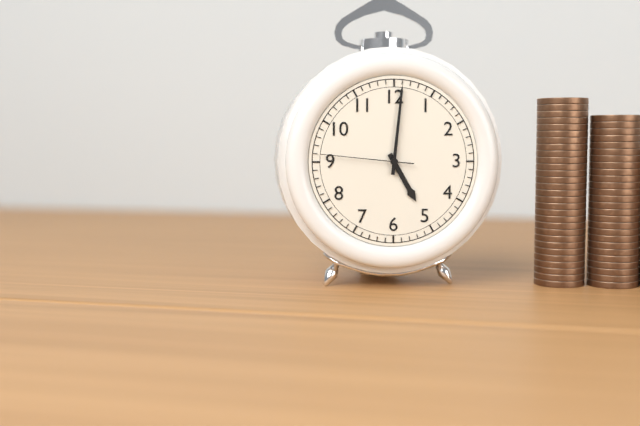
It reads 5h01m46s
